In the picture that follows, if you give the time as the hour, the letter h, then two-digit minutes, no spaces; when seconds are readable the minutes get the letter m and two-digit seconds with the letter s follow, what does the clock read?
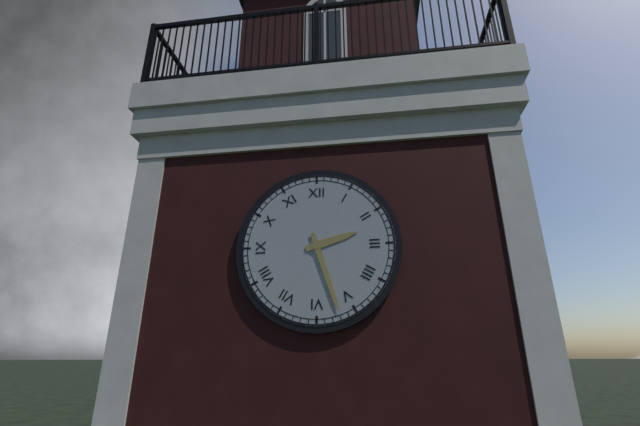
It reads 2h27
